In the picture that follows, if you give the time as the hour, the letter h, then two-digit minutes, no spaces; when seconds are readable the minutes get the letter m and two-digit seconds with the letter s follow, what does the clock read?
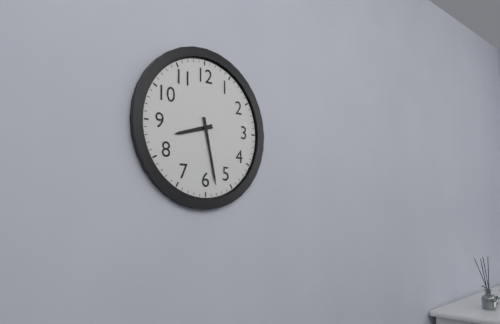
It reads 8h28
